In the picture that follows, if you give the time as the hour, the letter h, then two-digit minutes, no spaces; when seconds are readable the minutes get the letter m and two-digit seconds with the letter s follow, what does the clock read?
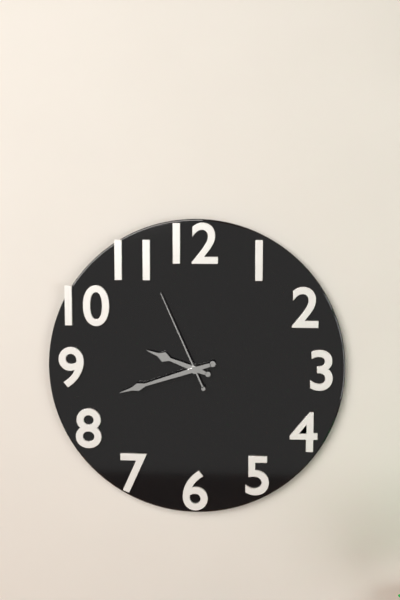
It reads 9h42m56s
